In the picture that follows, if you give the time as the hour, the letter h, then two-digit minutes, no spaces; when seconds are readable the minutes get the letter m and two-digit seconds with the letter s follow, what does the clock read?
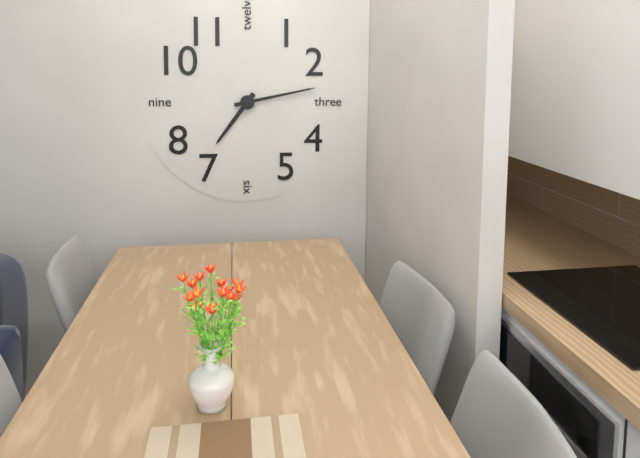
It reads 7h13
